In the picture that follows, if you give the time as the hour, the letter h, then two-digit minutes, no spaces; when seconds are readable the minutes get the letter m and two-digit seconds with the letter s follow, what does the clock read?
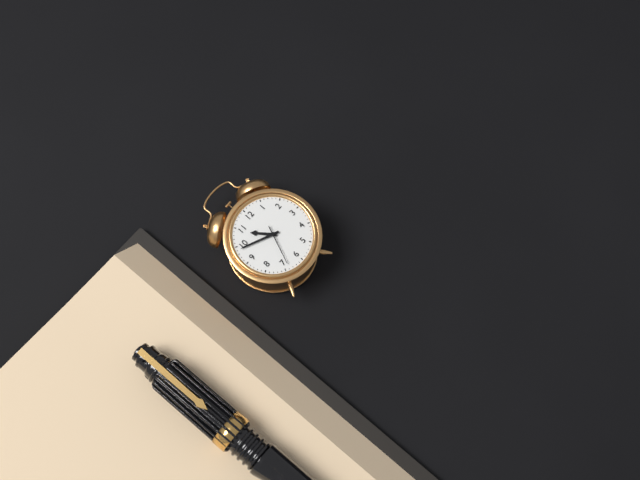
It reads 10h49
